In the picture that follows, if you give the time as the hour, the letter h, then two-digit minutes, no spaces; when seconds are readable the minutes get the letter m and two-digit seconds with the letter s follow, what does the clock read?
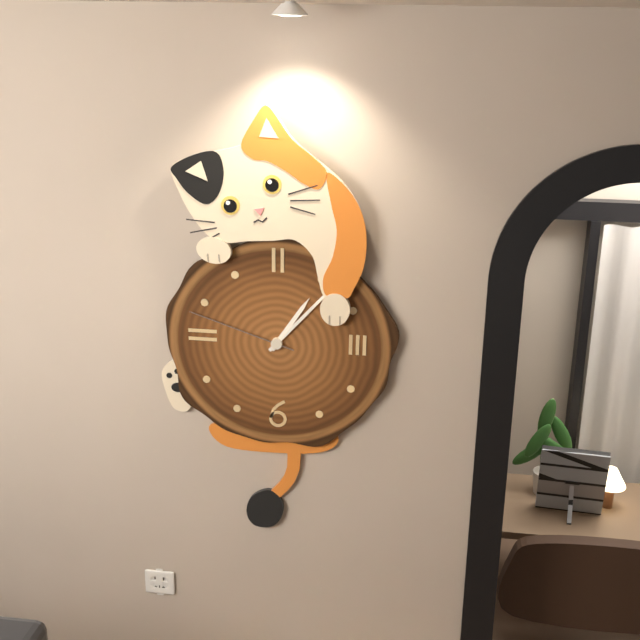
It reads 1h07m48s
